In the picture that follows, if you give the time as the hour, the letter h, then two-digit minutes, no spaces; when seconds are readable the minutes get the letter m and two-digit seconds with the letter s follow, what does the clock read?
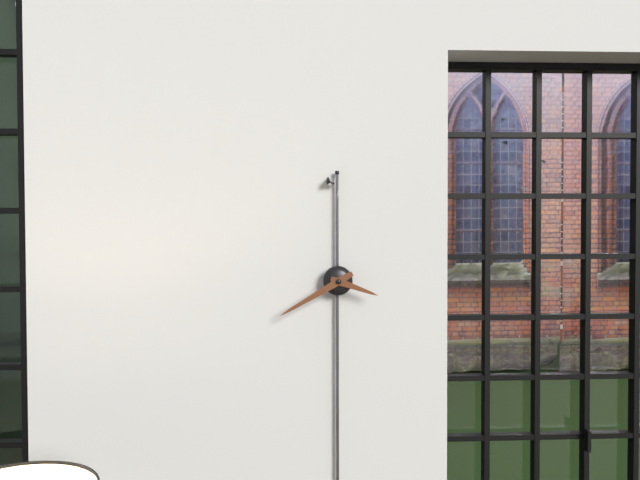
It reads 3h40
